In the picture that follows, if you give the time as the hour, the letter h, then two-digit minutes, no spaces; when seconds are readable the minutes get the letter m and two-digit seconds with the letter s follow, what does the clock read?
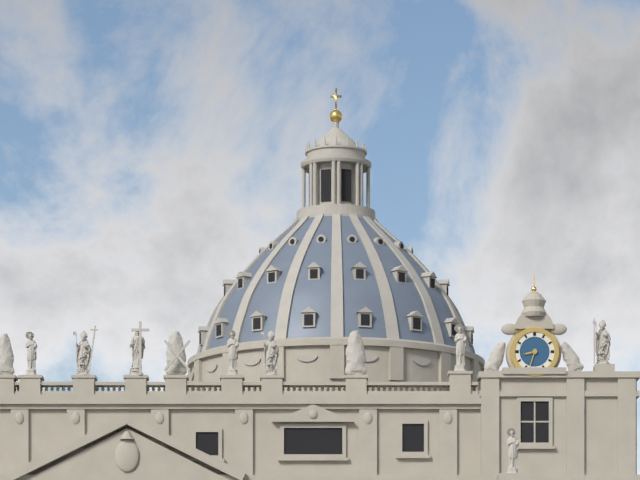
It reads 8h33
